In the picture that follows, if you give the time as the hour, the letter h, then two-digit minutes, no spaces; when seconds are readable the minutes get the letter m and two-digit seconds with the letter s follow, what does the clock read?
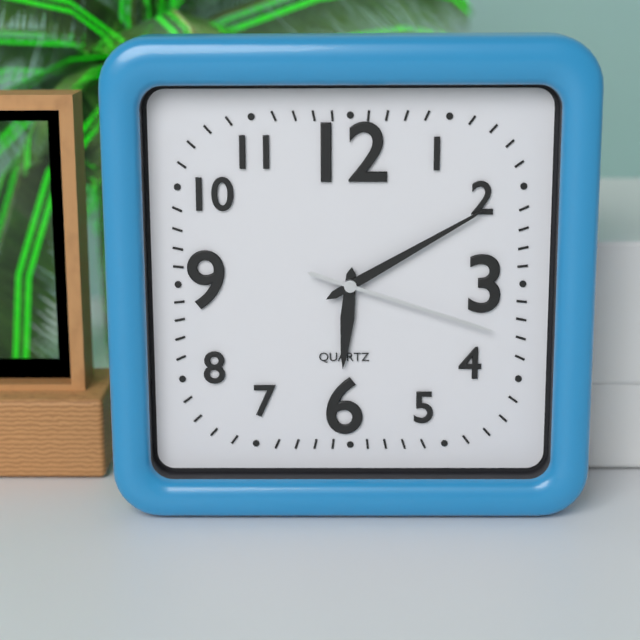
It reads 6h10m18s
